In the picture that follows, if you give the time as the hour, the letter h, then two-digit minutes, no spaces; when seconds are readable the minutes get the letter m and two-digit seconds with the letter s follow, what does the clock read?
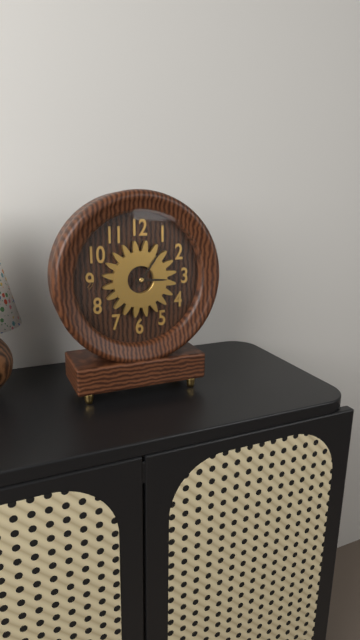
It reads 3h06
